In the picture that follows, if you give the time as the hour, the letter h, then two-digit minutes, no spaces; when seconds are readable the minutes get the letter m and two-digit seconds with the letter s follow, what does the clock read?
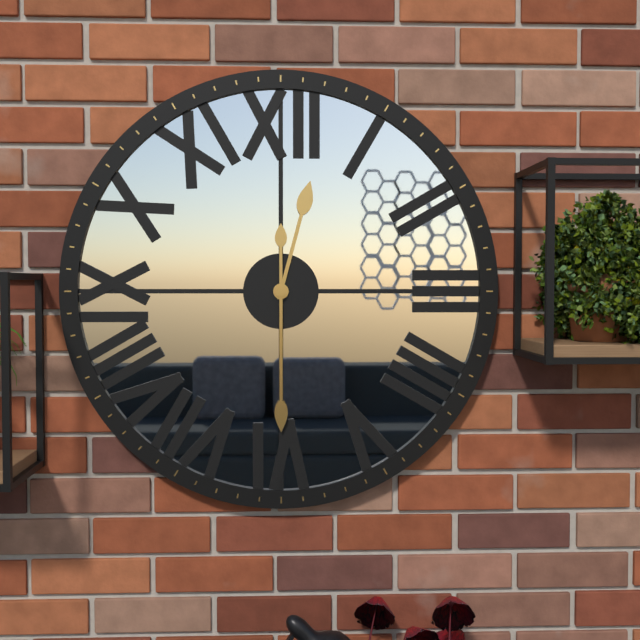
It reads 12h30
